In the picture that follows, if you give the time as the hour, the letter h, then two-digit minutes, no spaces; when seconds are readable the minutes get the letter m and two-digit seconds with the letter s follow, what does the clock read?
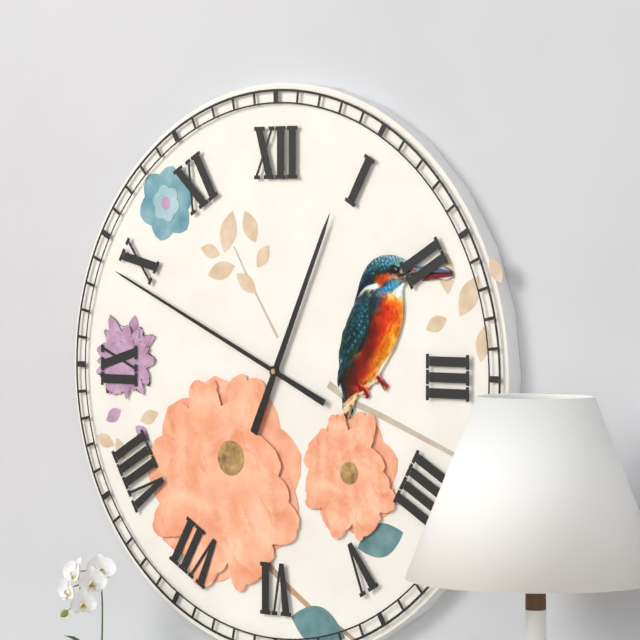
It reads 12h49
